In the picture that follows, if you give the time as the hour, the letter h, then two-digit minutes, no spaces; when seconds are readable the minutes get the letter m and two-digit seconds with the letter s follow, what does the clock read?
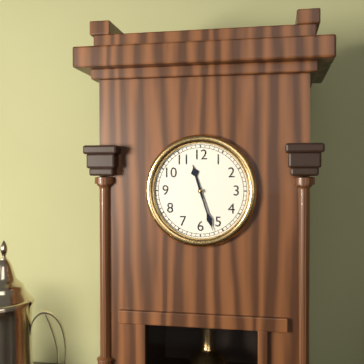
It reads 11h27
